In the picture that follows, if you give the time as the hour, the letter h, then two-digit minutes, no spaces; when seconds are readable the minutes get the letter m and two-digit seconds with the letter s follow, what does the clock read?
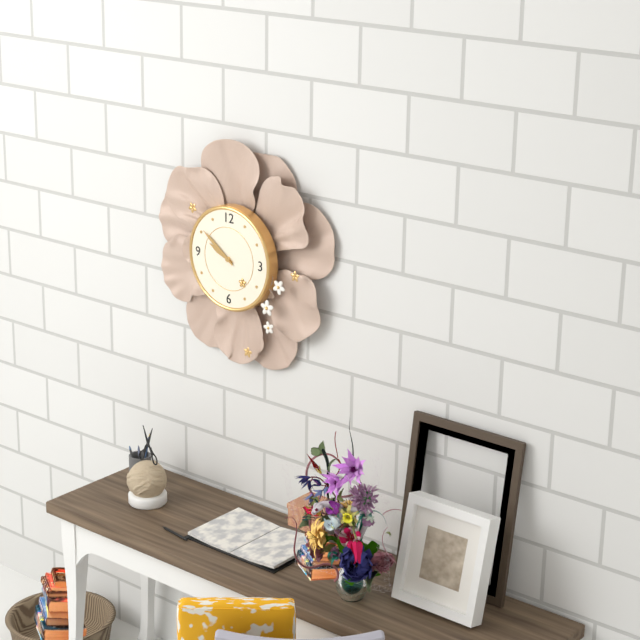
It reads 9h51
